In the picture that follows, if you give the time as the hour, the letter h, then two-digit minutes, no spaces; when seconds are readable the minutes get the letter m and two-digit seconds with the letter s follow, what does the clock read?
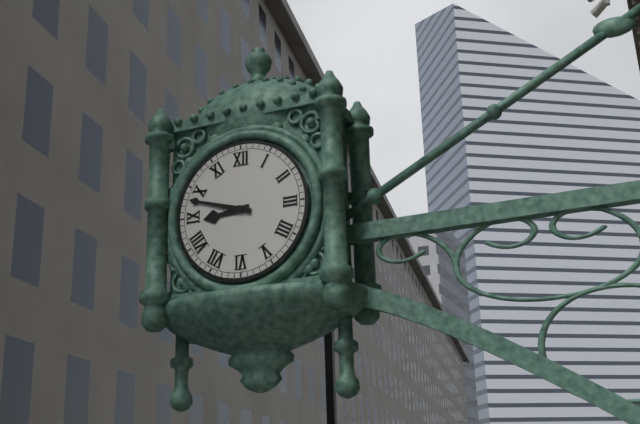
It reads 8h48
